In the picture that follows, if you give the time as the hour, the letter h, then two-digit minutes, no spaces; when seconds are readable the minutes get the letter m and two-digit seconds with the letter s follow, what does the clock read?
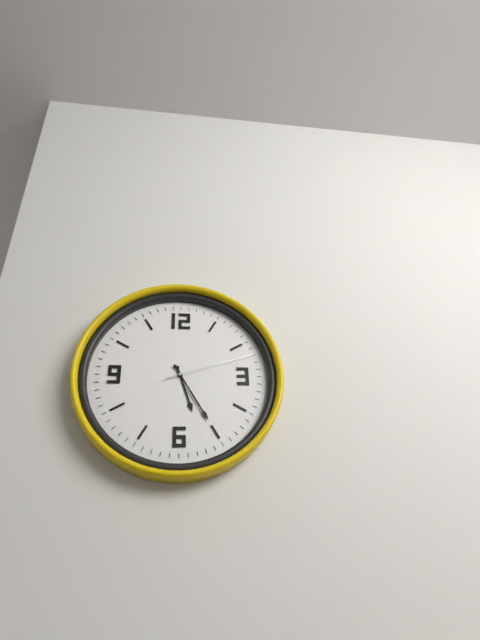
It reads 5h25m12s
